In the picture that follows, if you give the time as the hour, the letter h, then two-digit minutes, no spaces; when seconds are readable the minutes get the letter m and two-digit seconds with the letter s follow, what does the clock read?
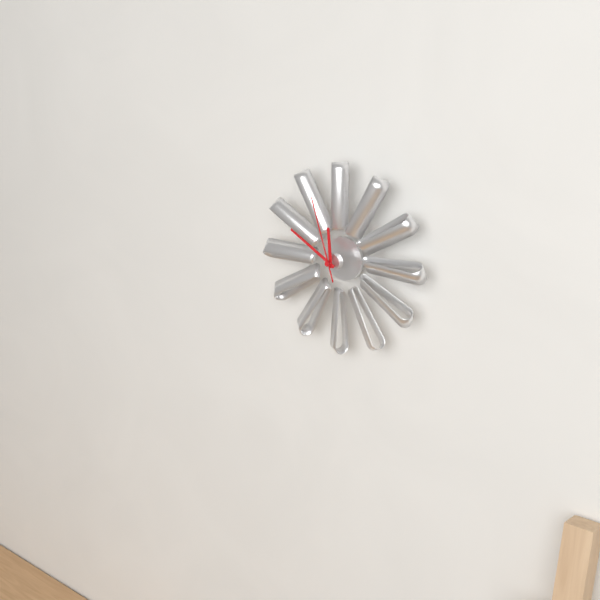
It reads 11h50m57s
